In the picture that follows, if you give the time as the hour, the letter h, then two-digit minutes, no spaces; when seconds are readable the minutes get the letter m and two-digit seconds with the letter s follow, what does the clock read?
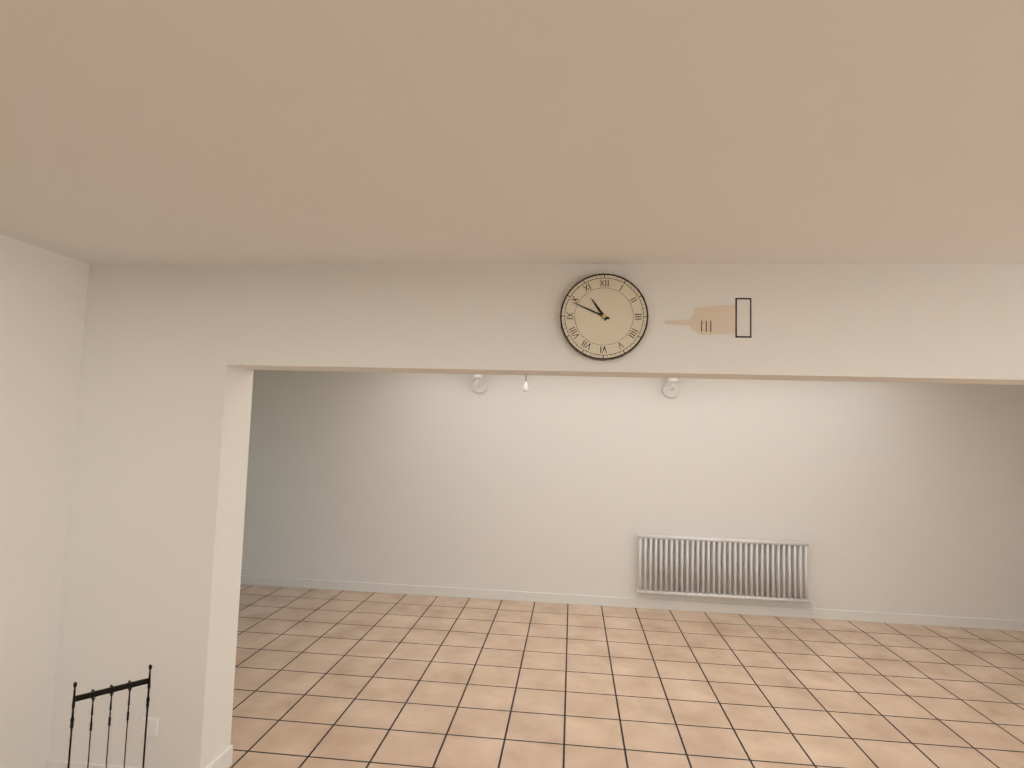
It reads 10h49
